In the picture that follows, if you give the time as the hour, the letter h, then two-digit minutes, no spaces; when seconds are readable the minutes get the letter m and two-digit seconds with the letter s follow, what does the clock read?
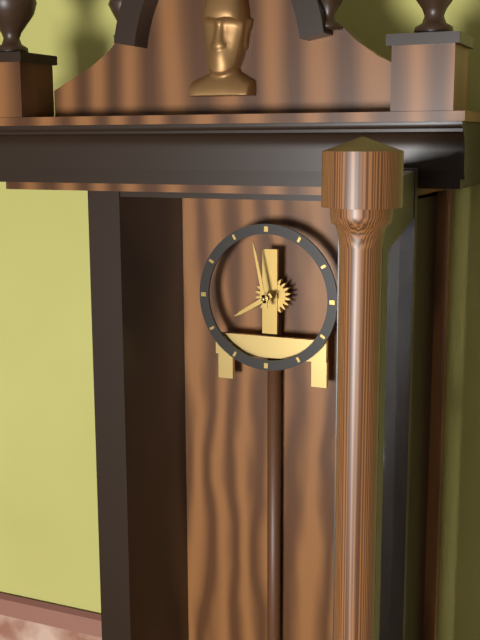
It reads 7h58
